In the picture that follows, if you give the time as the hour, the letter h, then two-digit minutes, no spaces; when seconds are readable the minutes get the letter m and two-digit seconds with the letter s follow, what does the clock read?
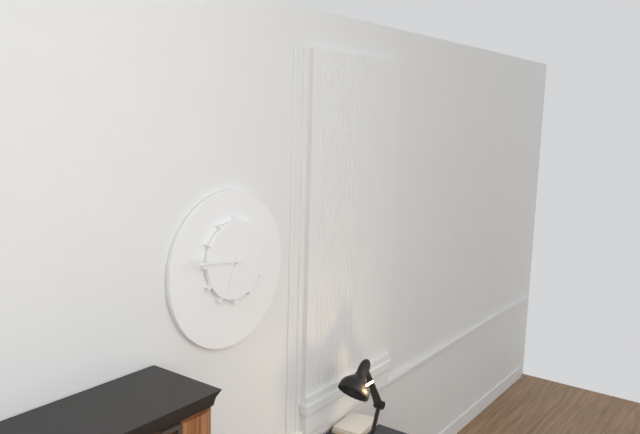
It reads 6h46
